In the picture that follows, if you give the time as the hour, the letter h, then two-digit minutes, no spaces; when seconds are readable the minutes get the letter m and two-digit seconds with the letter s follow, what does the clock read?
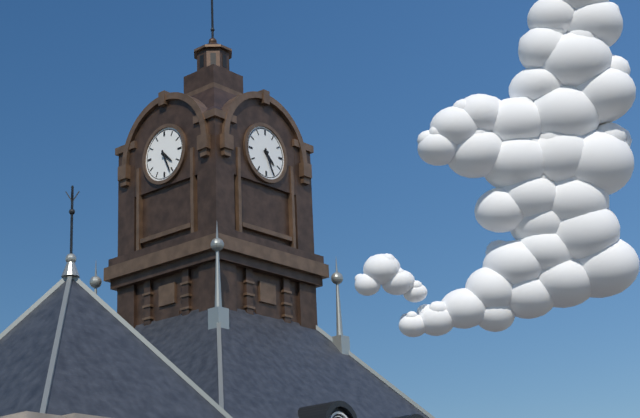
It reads 4h26
